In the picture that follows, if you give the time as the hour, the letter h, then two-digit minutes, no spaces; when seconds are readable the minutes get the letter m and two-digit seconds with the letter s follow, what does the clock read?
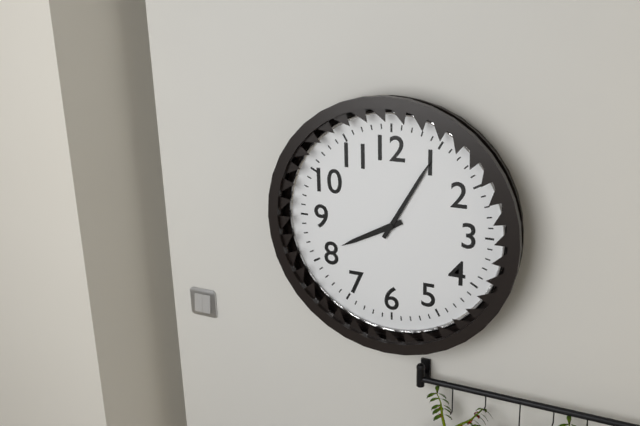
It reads 8h05
